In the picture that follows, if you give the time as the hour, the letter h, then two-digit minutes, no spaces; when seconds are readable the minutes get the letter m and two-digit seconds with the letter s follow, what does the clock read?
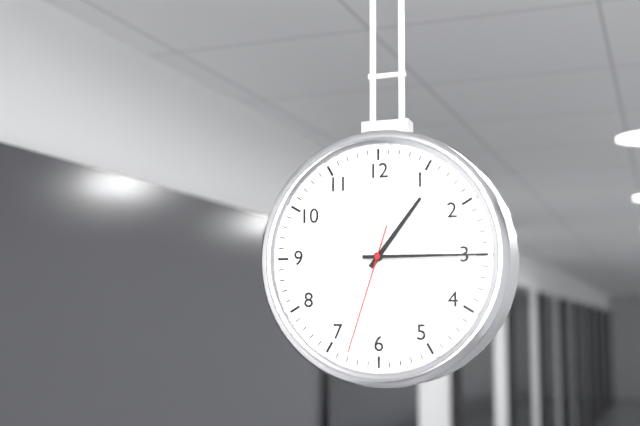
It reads 1h15m33s
